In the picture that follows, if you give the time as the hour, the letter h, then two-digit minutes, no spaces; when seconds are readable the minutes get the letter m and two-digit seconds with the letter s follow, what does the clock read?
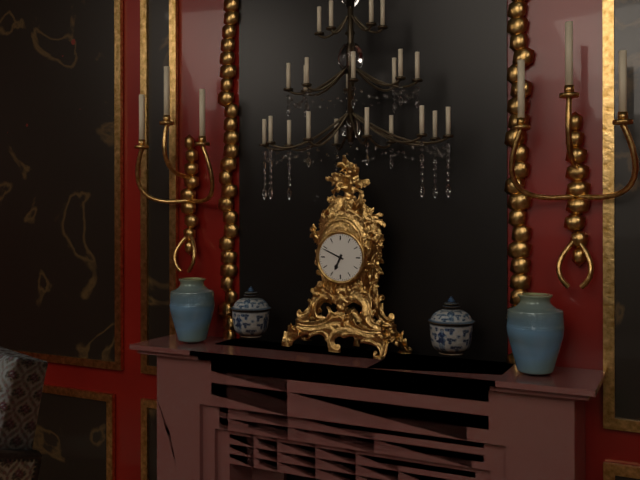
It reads 6h49
